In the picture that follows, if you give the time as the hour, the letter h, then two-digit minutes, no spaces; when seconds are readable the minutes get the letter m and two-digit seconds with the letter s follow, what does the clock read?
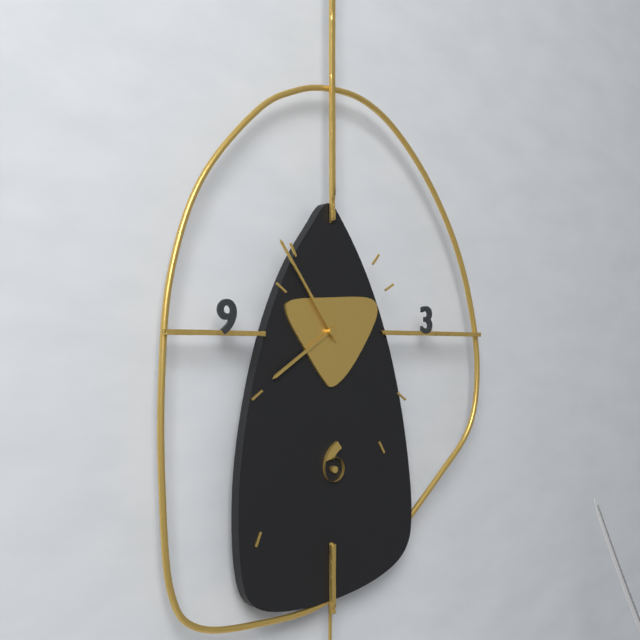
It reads 7h54
